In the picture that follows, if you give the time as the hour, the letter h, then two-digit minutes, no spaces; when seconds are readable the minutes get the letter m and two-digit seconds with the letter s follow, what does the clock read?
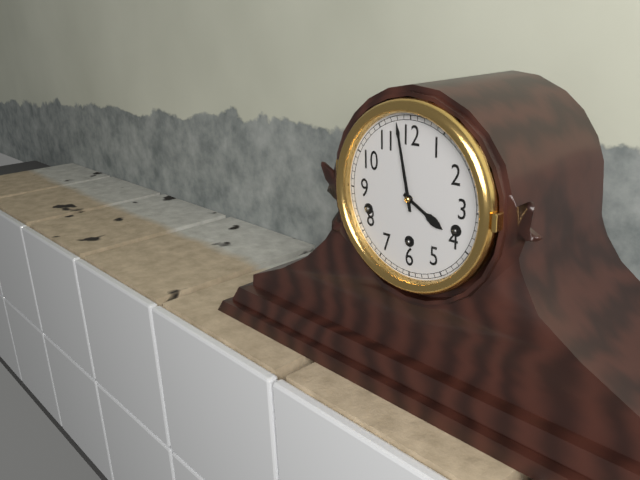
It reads 3h58
